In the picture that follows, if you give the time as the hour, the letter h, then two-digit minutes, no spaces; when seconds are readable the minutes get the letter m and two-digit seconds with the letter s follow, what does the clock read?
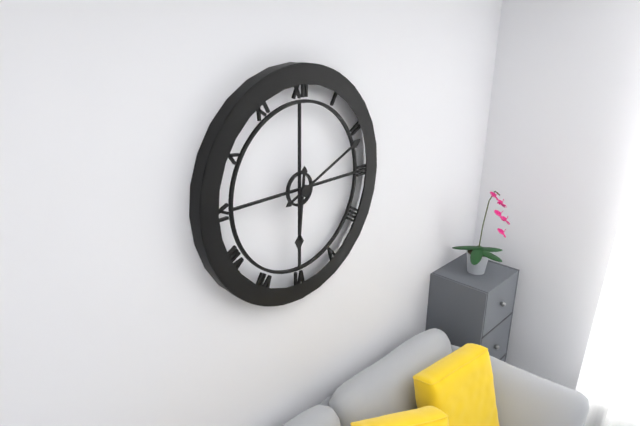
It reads 6h11
